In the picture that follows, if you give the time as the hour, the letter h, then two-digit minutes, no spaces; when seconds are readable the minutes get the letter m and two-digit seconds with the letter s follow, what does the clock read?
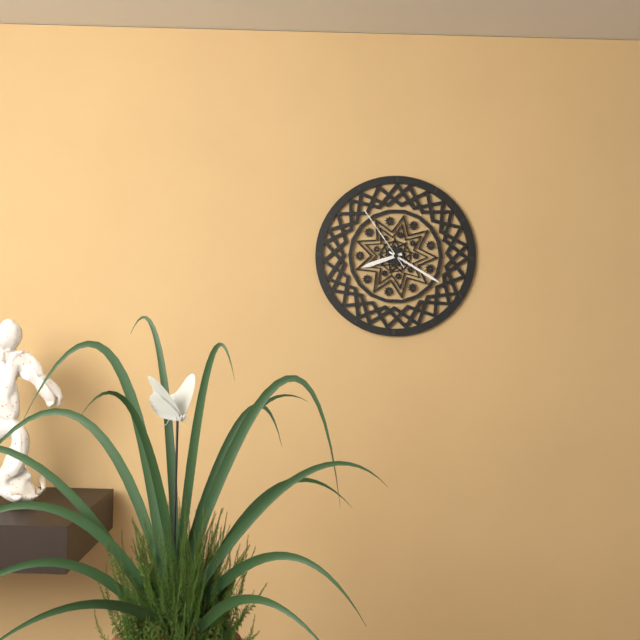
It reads 8h20m54s
